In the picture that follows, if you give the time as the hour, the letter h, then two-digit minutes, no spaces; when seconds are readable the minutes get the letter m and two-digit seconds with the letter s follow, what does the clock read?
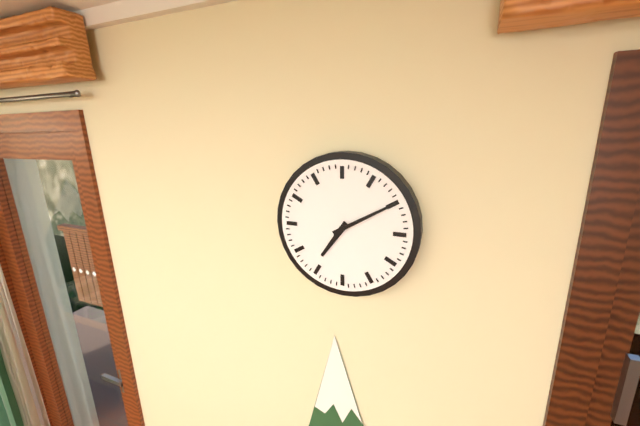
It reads 7h10
